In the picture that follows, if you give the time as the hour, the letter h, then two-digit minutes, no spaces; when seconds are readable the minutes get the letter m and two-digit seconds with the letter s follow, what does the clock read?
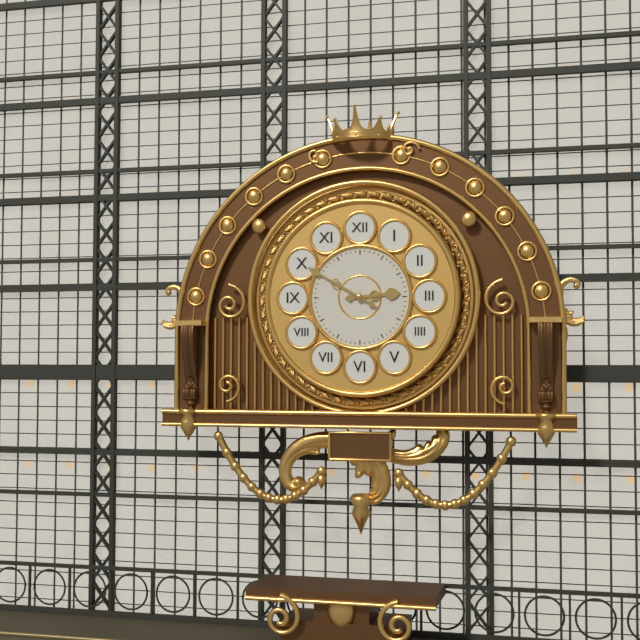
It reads 2h50
